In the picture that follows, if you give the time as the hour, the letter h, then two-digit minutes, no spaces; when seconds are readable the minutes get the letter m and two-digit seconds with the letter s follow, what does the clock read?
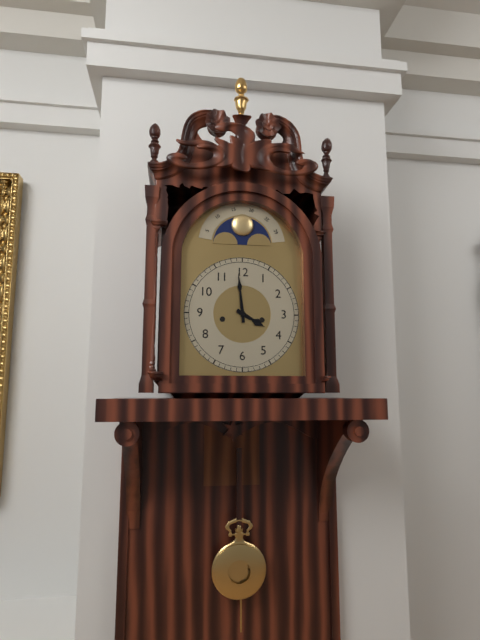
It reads 3h59
